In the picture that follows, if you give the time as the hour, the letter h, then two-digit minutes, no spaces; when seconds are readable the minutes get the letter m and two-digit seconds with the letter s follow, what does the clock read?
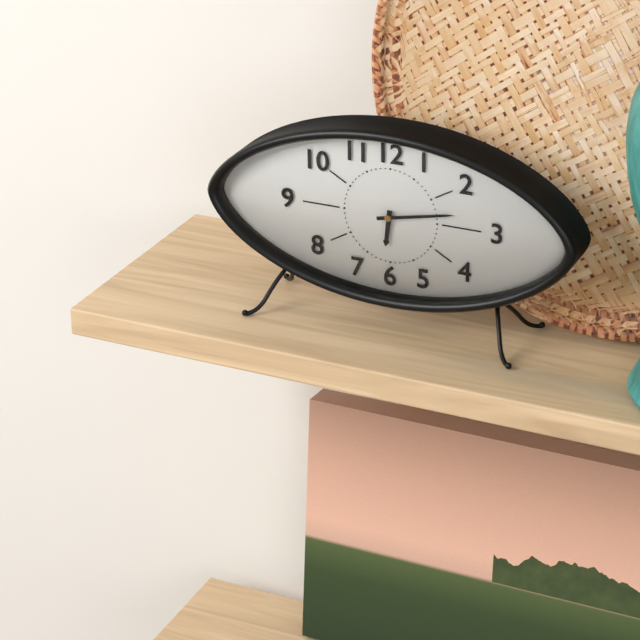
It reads 6h13
